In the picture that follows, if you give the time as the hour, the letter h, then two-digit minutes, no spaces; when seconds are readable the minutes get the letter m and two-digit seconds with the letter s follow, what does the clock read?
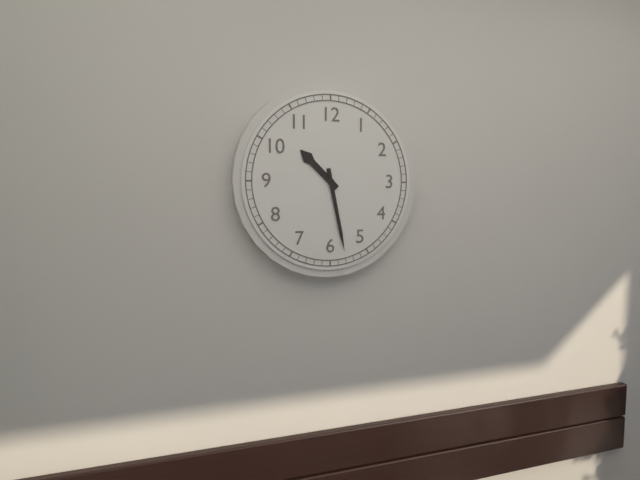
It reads 10h28
